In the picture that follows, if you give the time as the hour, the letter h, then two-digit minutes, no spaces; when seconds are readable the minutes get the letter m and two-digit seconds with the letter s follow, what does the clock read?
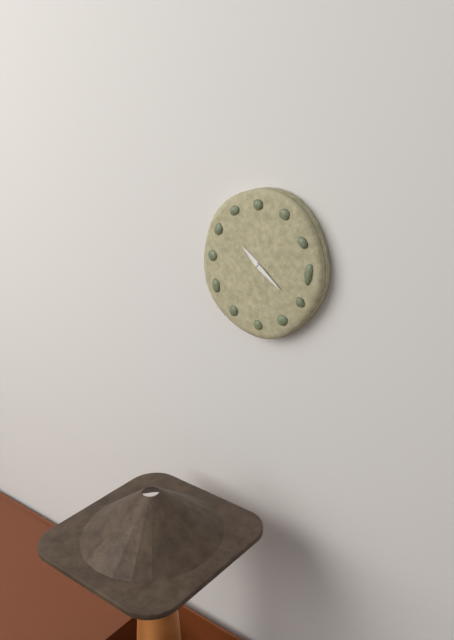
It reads 10h21
